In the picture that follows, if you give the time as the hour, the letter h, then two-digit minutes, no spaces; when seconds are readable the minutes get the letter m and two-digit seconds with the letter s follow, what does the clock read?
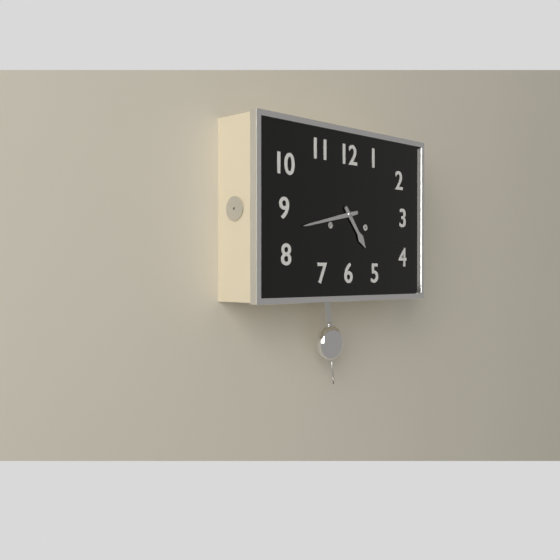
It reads 4h43
